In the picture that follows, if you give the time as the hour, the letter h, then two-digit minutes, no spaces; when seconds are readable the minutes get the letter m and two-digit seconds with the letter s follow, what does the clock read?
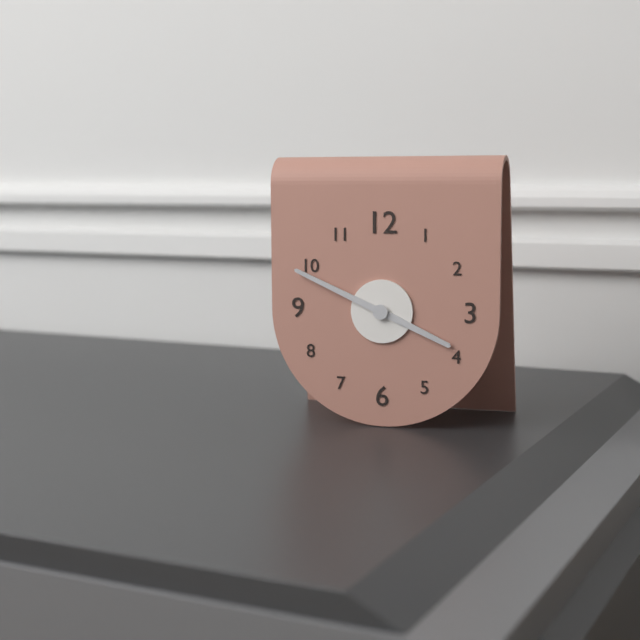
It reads 3h49
